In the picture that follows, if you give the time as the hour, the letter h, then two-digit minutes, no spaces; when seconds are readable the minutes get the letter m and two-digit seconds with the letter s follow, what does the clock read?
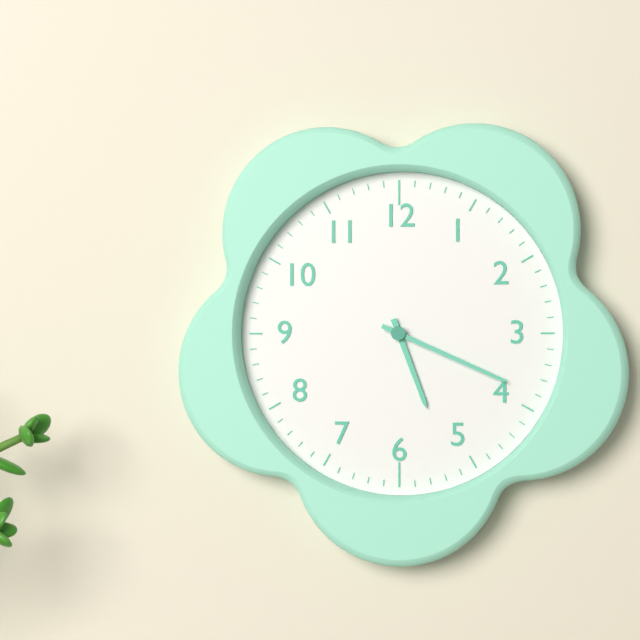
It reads 5h19
